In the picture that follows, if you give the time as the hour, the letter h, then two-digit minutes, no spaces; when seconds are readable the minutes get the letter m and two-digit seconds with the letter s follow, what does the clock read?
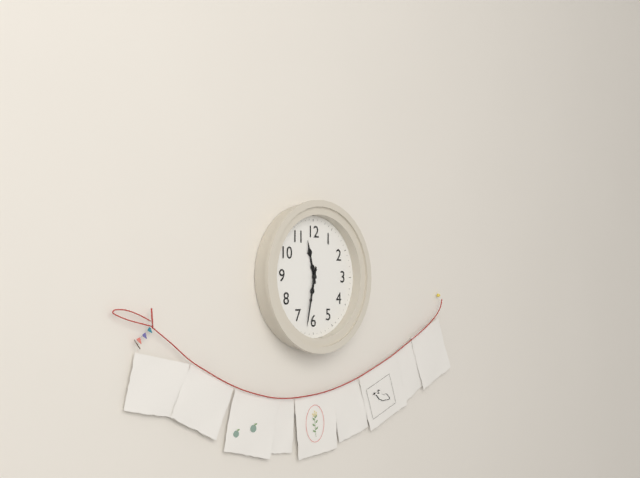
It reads 11h32
